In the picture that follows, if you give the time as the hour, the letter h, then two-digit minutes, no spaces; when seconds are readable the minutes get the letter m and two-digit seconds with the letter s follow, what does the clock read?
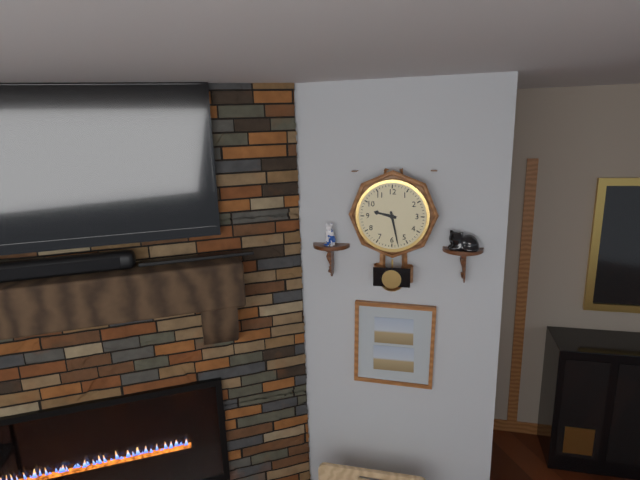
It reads 9h28
